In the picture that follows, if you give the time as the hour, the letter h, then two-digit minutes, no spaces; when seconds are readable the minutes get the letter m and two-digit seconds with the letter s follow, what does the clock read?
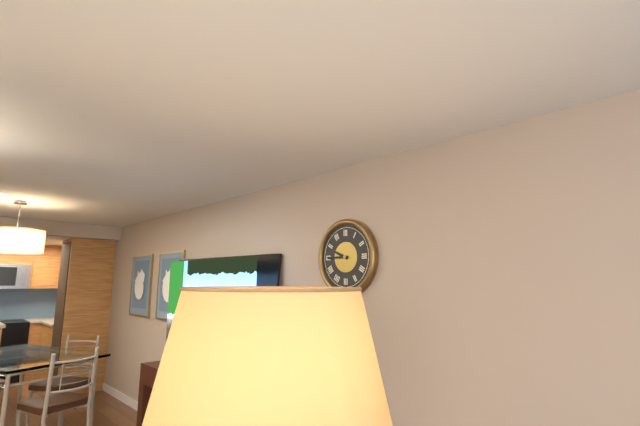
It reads 9h45
